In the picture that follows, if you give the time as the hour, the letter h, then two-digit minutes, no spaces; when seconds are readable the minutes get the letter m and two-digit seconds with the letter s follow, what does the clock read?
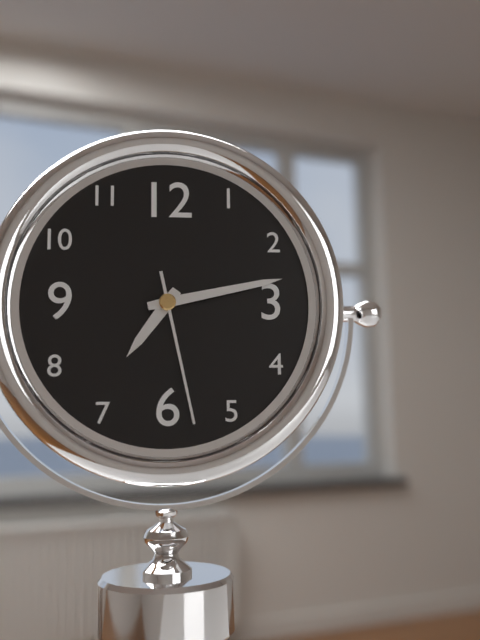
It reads 7h13m28s
